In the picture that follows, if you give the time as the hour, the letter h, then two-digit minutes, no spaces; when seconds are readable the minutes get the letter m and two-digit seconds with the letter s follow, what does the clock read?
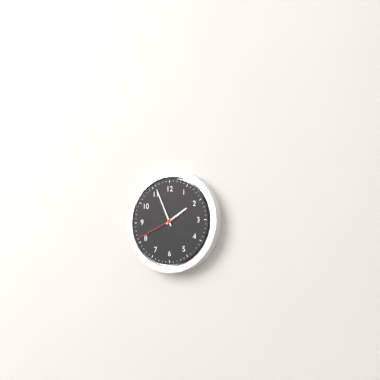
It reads 1h56
